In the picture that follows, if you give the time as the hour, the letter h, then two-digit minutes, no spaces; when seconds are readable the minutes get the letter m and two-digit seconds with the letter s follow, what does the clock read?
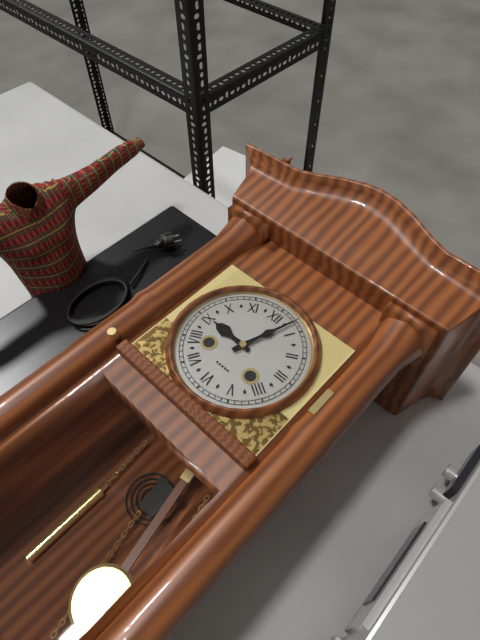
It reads 9h03
